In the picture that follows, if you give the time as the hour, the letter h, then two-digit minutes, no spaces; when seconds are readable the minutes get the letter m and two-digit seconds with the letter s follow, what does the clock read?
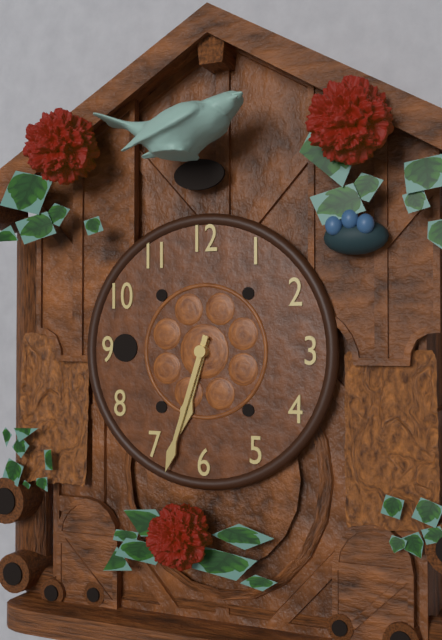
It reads 6h33
